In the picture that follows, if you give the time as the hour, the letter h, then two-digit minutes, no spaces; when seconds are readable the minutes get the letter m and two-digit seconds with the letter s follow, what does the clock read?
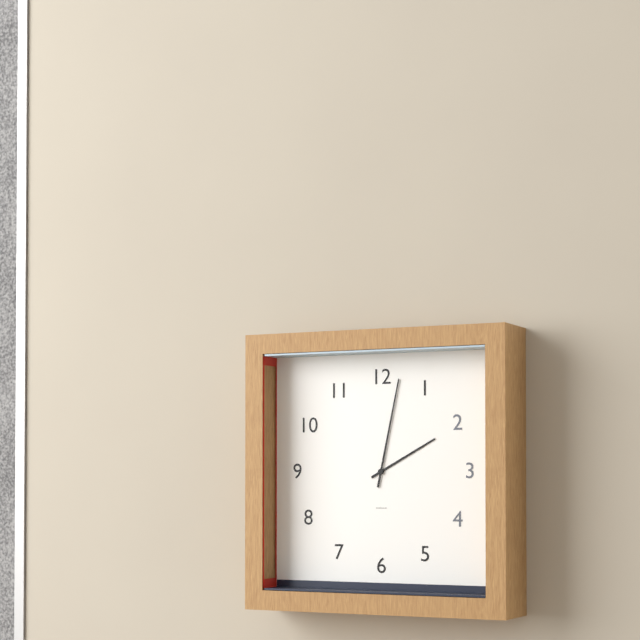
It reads 2h02
